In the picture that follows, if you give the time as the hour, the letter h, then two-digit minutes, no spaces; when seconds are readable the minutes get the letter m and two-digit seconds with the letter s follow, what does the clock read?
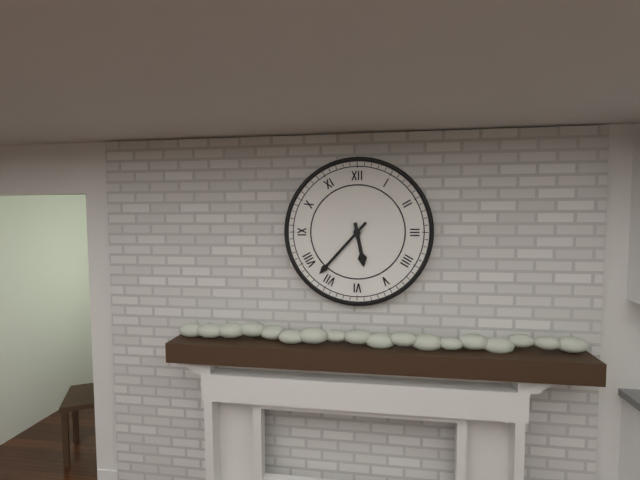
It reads 5h37
